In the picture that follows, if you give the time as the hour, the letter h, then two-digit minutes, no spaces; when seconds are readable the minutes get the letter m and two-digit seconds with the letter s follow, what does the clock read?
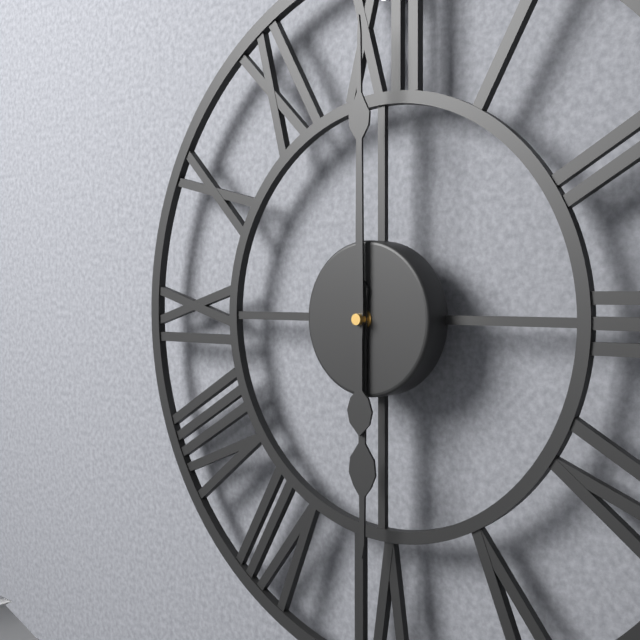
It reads 6h00
